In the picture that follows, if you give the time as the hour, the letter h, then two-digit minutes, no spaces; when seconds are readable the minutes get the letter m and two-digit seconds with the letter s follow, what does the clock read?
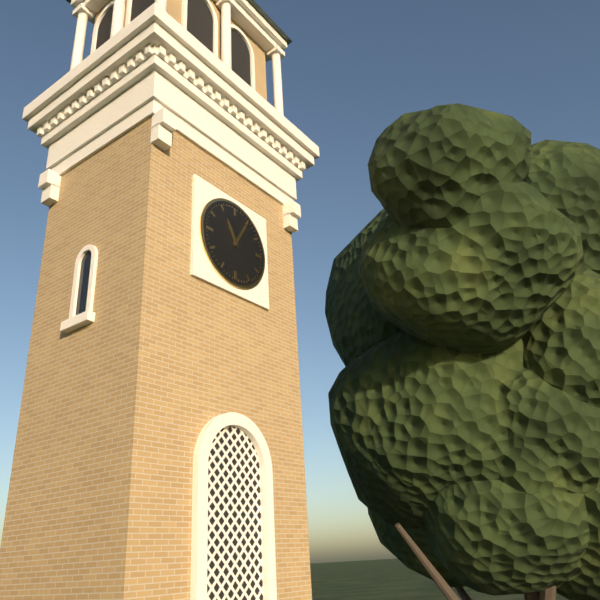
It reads 11h05
